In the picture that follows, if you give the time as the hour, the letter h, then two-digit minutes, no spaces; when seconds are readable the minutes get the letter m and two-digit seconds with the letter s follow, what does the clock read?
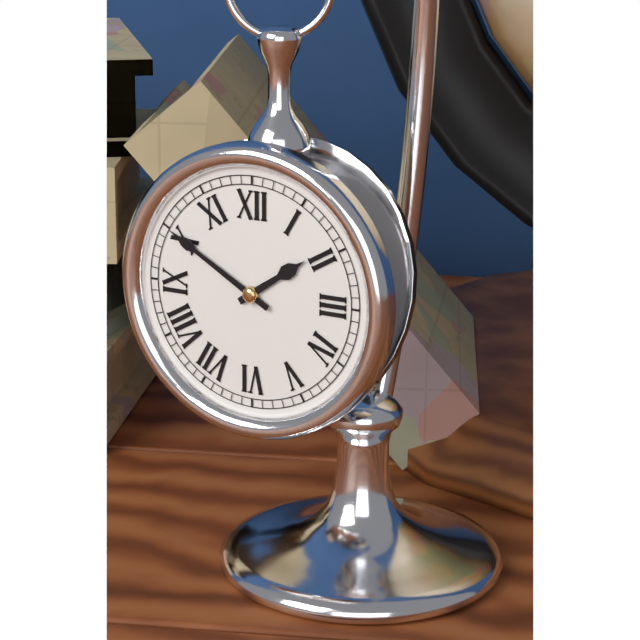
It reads 1h50
